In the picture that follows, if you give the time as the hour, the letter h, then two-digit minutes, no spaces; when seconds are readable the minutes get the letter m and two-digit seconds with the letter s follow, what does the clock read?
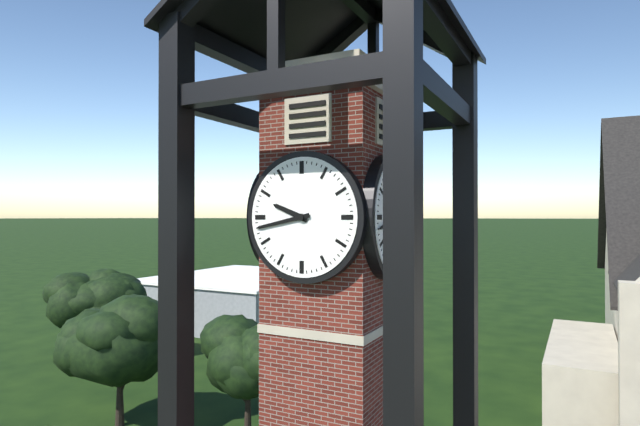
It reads 9h43
